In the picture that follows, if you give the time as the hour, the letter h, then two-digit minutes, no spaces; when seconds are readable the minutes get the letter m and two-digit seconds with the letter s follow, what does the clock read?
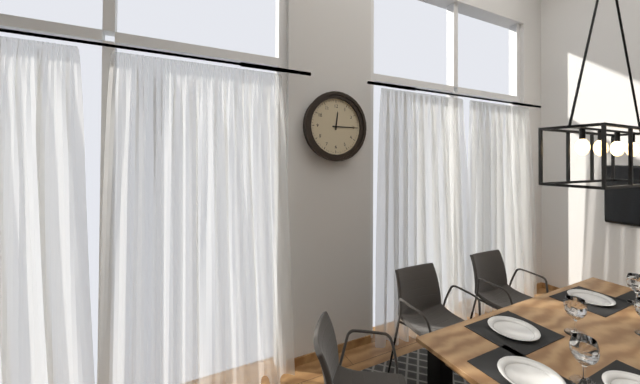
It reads 12h15
